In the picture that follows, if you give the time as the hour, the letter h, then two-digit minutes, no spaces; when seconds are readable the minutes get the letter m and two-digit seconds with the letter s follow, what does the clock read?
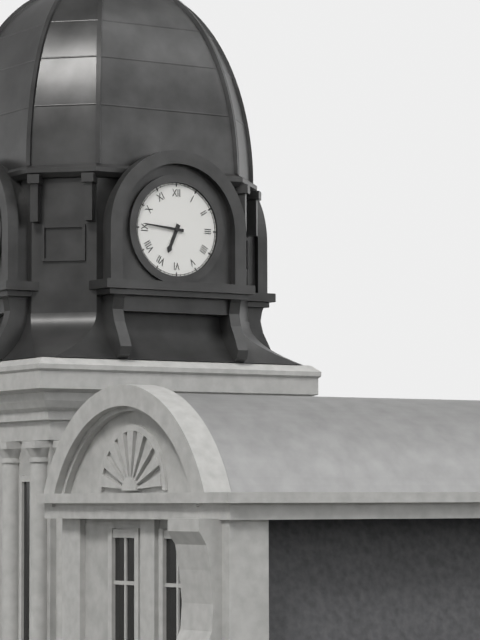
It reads 6h46
